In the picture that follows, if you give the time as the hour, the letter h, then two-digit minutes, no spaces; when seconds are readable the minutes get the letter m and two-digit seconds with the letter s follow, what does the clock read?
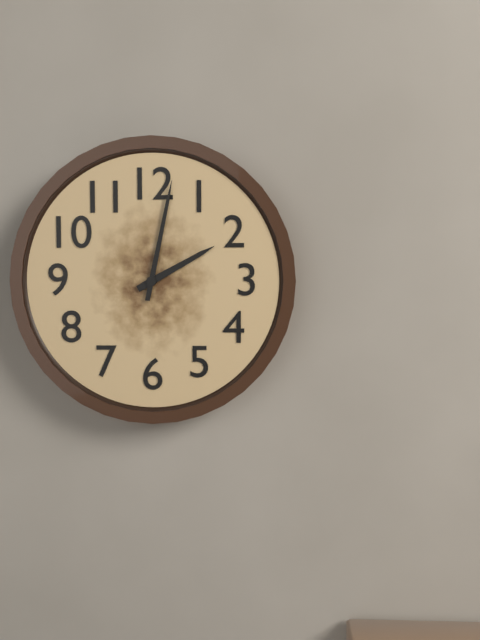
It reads 2h02
